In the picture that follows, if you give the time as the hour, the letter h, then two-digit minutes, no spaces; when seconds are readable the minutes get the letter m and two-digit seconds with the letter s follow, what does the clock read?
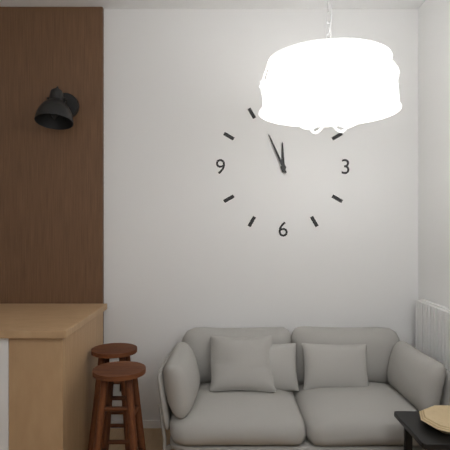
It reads 11h56
